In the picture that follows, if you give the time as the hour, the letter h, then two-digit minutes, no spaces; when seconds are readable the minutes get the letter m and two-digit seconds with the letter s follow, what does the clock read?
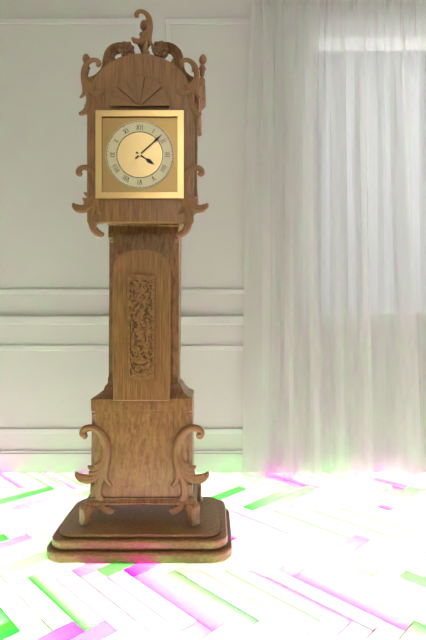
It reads 4h08
